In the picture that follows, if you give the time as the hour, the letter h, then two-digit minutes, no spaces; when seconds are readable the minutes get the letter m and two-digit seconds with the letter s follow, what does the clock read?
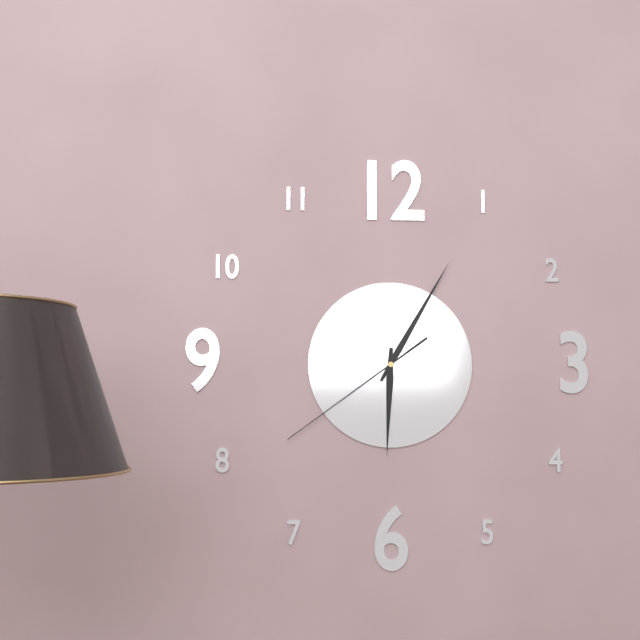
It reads 6h05m39s
